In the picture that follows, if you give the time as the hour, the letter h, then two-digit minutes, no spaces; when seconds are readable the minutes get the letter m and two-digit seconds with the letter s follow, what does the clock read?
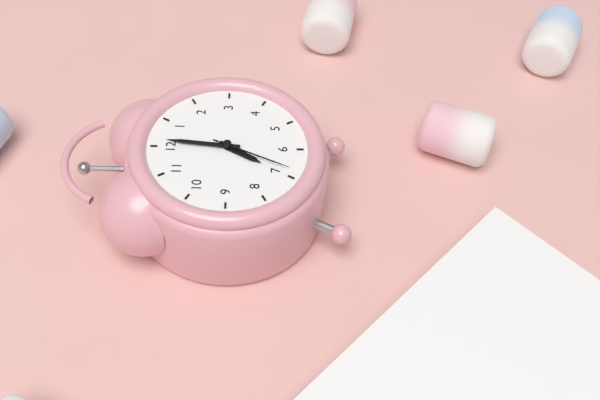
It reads 7h01m34s
